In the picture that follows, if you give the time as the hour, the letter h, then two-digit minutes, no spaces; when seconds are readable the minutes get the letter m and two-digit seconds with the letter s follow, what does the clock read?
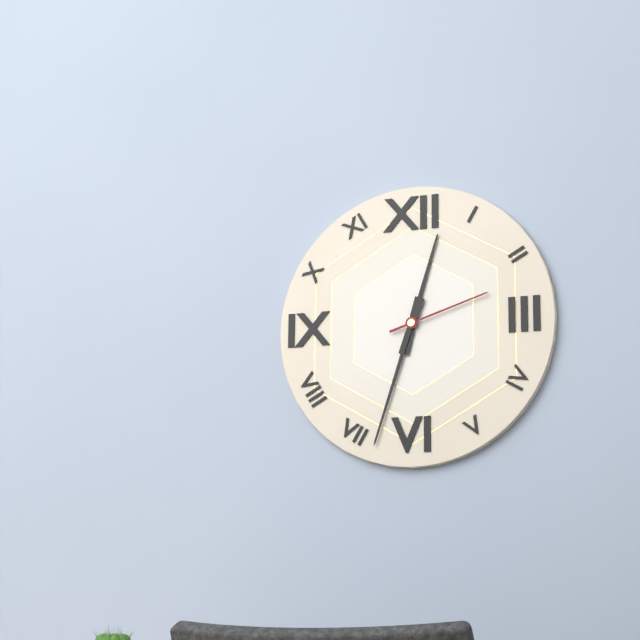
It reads 12h33m12s
